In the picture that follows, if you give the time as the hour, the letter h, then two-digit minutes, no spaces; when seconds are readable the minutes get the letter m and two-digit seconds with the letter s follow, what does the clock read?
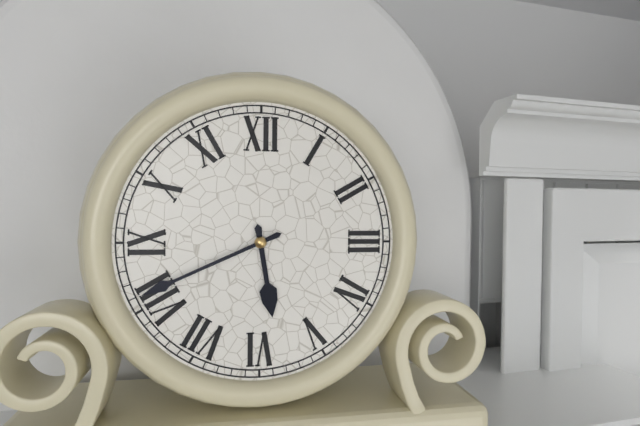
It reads 5h41
